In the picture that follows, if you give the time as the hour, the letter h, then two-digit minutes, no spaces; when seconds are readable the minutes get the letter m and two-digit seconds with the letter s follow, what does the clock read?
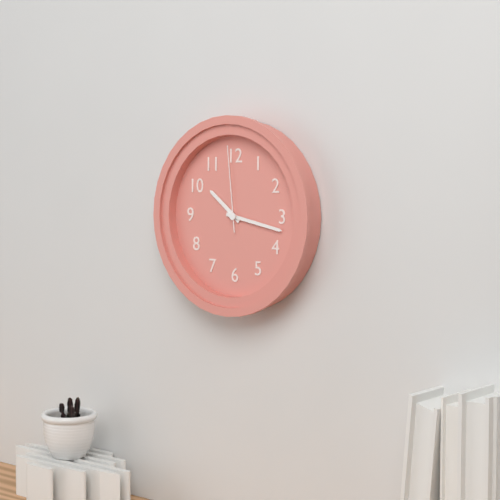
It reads 10h17m59s
